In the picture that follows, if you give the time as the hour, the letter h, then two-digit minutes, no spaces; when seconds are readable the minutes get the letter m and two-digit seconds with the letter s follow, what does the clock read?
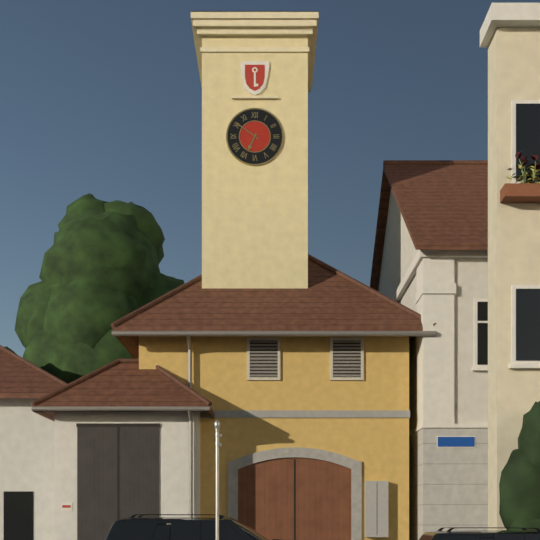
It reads 6h51
